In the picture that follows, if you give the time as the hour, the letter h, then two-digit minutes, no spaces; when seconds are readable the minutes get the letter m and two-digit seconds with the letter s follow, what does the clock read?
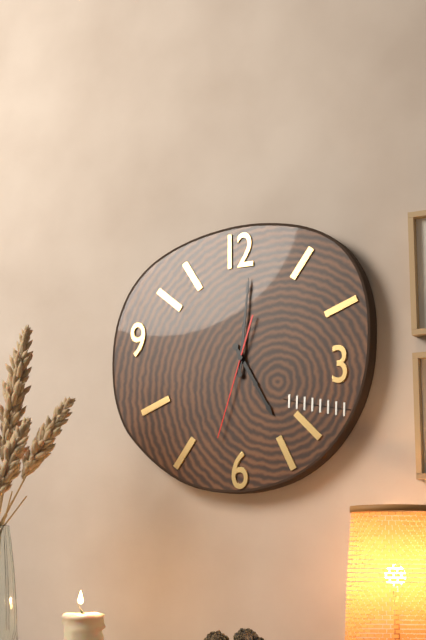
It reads 5h01m33s
